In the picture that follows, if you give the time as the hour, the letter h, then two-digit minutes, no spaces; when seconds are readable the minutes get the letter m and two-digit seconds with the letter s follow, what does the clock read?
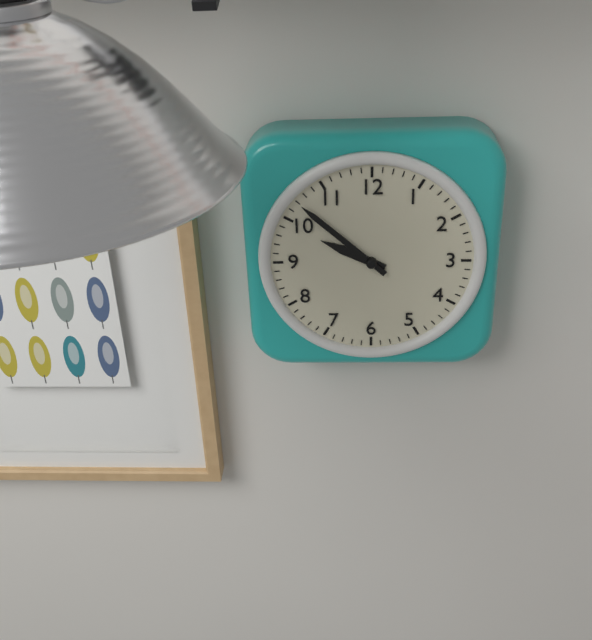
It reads 9h52
